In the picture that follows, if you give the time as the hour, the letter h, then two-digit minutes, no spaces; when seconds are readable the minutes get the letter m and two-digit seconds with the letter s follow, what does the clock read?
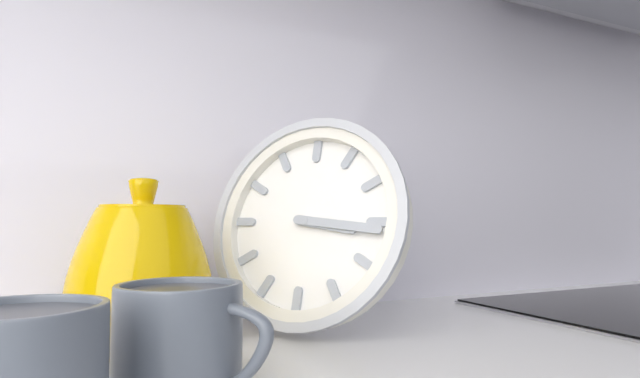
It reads 3h16
